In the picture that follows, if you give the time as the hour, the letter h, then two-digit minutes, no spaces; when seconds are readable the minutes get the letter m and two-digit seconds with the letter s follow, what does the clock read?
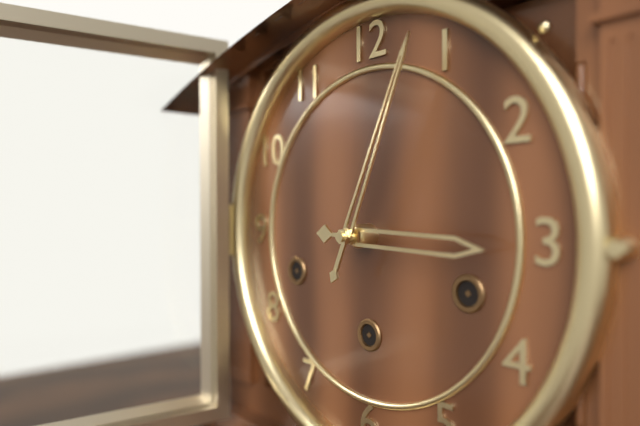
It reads 3h04
